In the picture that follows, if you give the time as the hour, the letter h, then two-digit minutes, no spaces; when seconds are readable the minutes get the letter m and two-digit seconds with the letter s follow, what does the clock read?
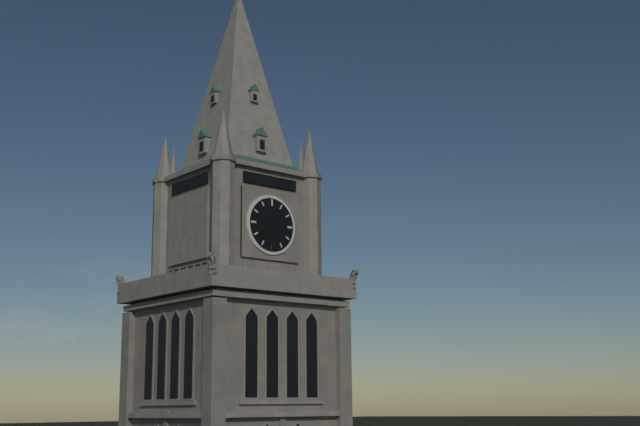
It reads 6h38
